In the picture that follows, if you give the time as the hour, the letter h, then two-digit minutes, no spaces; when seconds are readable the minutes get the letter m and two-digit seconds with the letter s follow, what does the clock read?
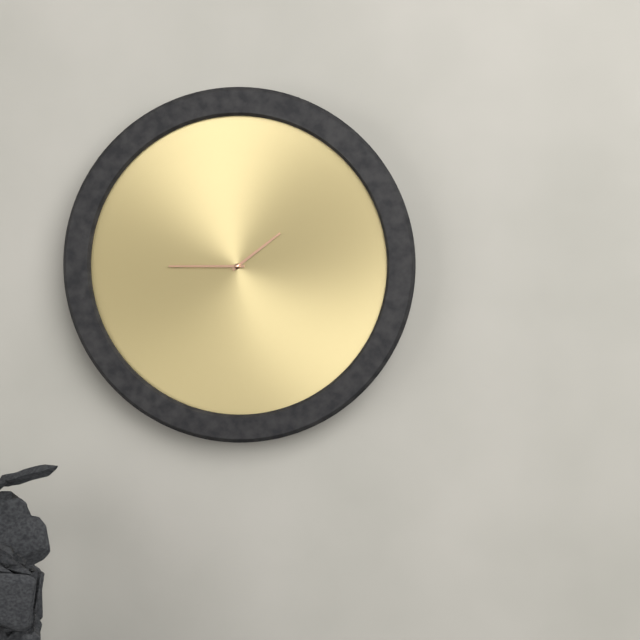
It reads 1h45
